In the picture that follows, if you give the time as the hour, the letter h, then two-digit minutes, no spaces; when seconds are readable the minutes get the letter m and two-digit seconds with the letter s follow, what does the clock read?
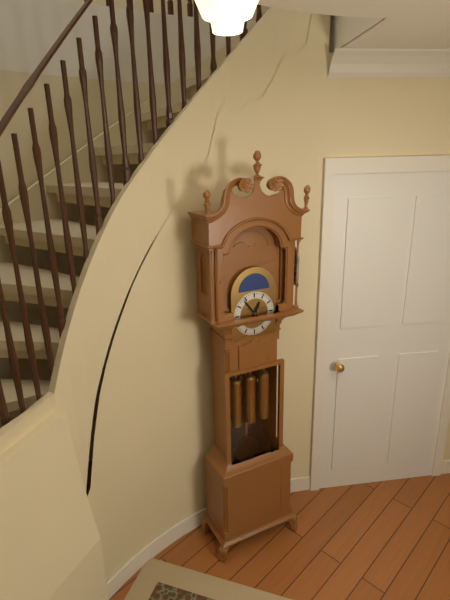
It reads 12h54
